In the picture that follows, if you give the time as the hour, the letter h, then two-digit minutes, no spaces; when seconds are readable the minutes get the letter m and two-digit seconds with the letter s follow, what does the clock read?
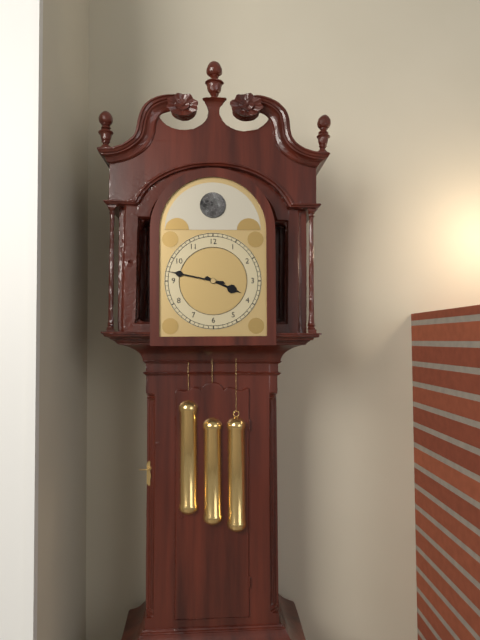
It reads 3h47
